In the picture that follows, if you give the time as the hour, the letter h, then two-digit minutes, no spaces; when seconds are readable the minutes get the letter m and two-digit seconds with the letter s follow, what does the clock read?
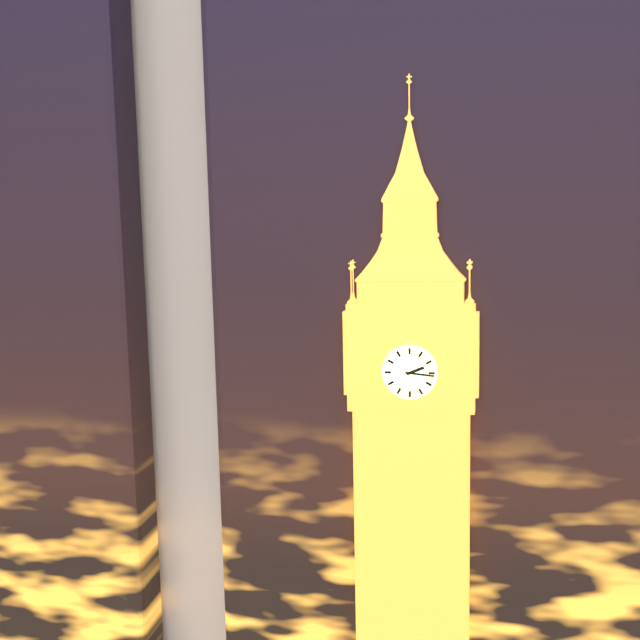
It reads 2h16
